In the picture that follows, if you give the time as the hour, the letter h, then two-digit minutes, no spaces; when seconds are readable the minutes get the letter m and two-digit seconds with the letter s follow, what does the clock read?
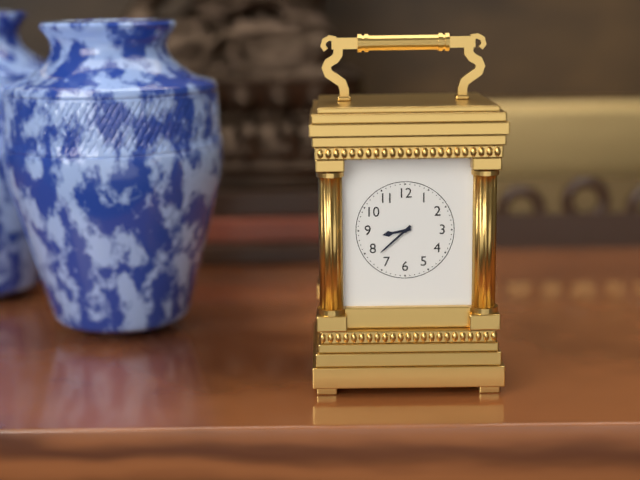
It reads 8h38
